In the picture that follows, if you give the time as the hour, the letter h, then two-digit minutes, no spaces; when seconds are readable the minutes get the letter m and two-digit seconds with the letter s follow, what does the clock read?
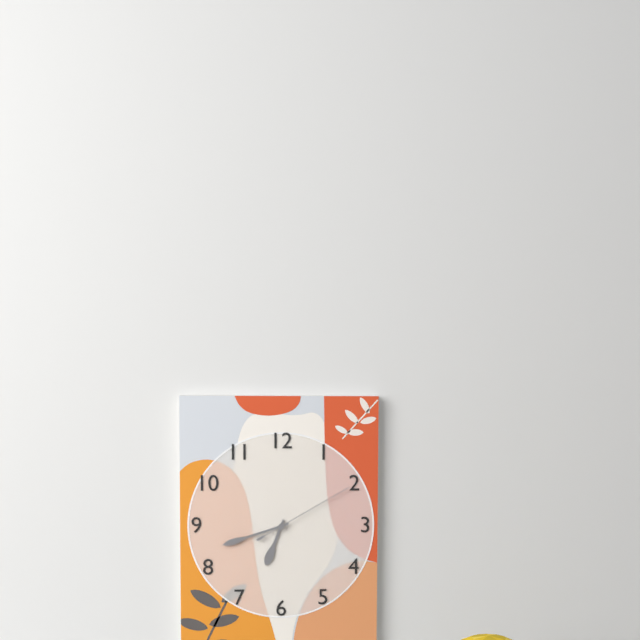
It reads 6h42m10s
